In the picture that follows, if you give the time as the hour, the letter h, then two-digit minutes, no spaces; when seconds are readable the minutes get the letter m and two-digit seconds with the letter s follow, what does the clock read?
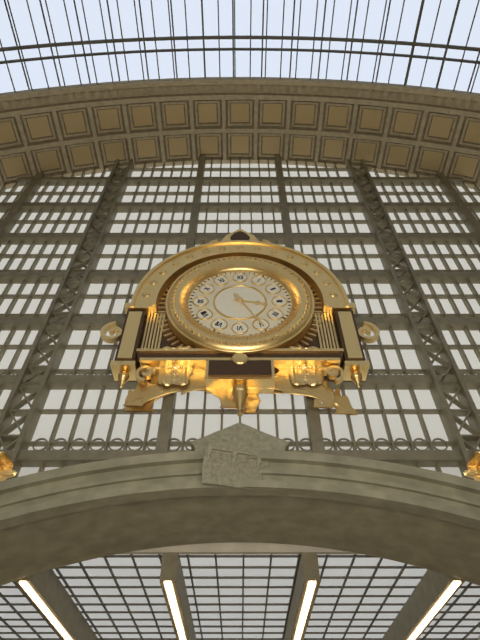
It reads 3h25
